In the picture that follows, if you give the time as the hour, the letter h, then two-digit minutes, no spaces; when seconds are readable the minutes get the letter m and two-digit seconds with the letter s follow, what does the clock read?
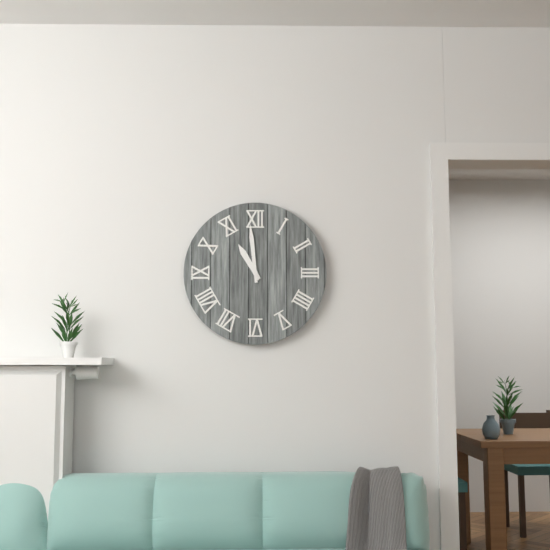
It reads 10h59
